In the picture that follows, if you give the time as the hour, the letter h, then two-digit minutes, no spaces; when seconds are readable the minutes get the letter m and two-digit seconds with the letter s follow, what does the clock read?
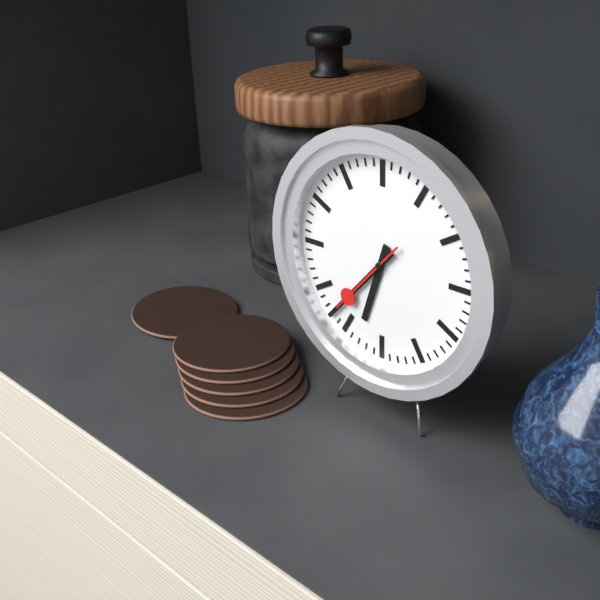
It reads 6h37m37s
